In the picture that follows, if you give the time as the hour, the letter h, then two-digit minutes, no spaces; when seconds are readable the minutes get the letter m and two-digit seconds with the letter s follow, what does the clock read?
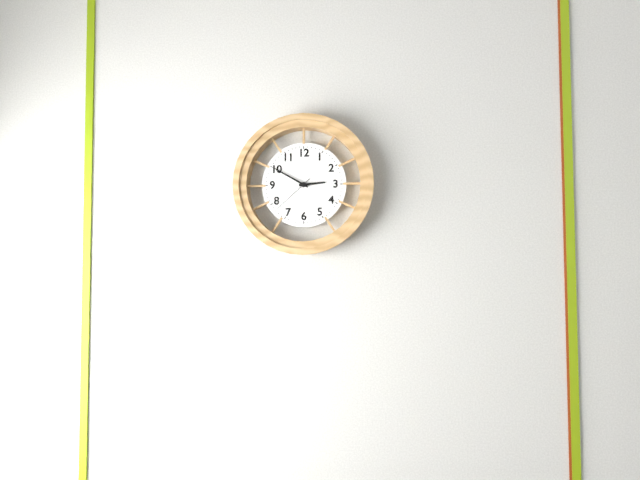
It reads 2h50
